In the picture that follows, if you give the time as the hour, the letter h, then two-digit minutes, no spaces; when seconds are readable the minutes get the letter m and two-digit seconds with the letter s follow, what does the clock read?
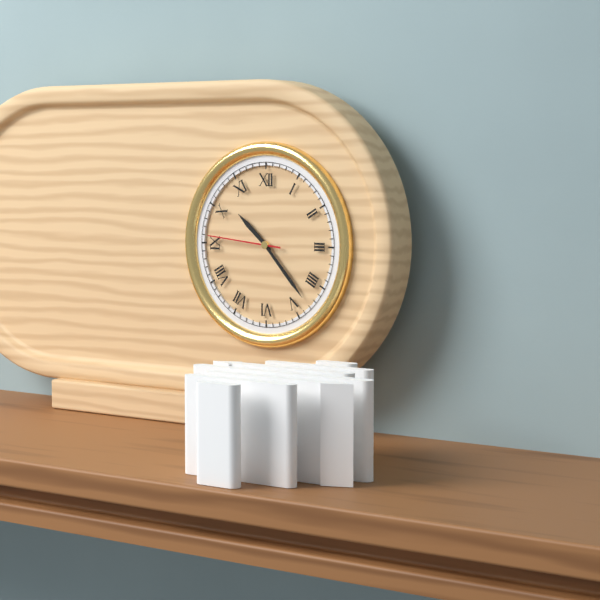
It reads 10h23m46s
